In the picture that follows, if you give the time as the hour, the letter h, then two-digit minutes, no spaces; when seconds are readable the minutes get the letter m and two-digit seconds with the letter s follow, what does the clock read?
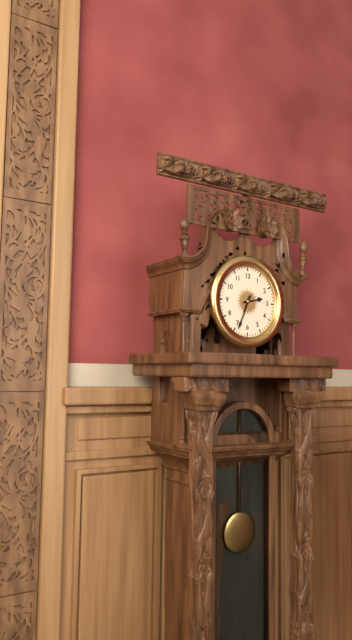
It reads 2h34
